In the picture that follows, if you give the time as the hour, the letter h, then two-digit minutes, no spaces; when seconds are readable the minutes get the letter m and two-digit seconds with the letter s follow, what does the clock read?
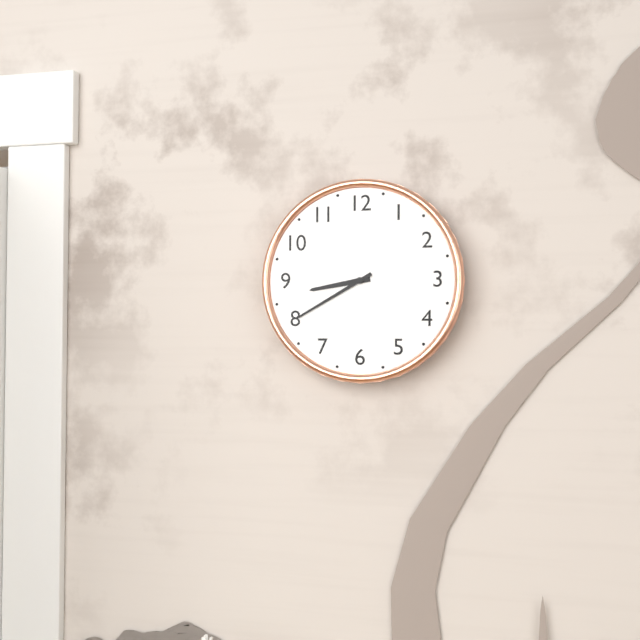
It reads 8h40
